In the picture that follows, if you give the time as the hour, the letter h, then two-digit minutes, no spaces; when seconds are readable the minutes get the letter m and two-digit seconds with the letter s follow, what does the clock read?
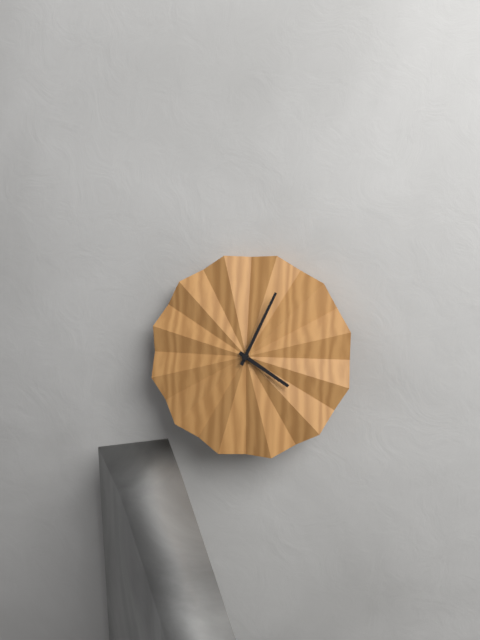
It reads 4h04
